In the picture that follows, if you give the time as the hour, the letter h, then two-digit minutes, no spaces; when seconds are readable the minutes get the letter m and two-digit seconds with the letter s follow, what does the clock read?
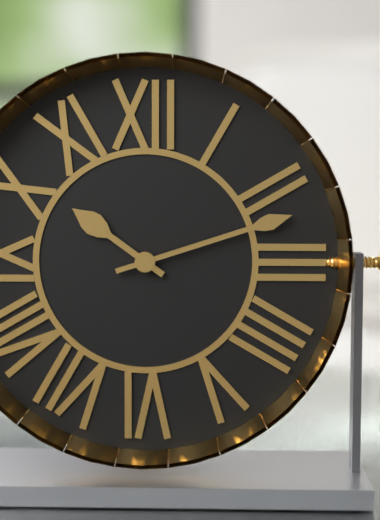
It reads 10h12
